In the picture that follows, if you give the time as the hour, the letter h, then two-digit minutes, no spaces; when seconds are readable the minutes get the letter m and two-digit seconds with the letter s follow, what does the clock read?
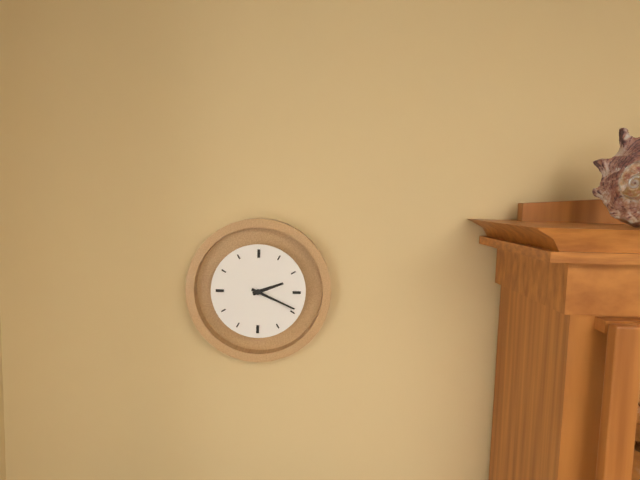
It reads 2h19
